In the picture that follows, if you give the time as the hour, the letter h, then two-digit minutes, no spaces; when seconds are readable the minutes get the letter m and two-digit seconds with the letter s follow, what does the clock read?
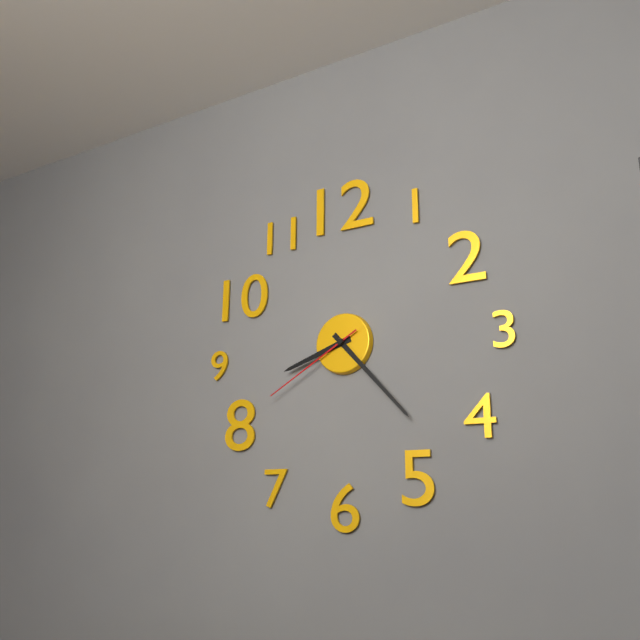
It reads 8h23m40s
